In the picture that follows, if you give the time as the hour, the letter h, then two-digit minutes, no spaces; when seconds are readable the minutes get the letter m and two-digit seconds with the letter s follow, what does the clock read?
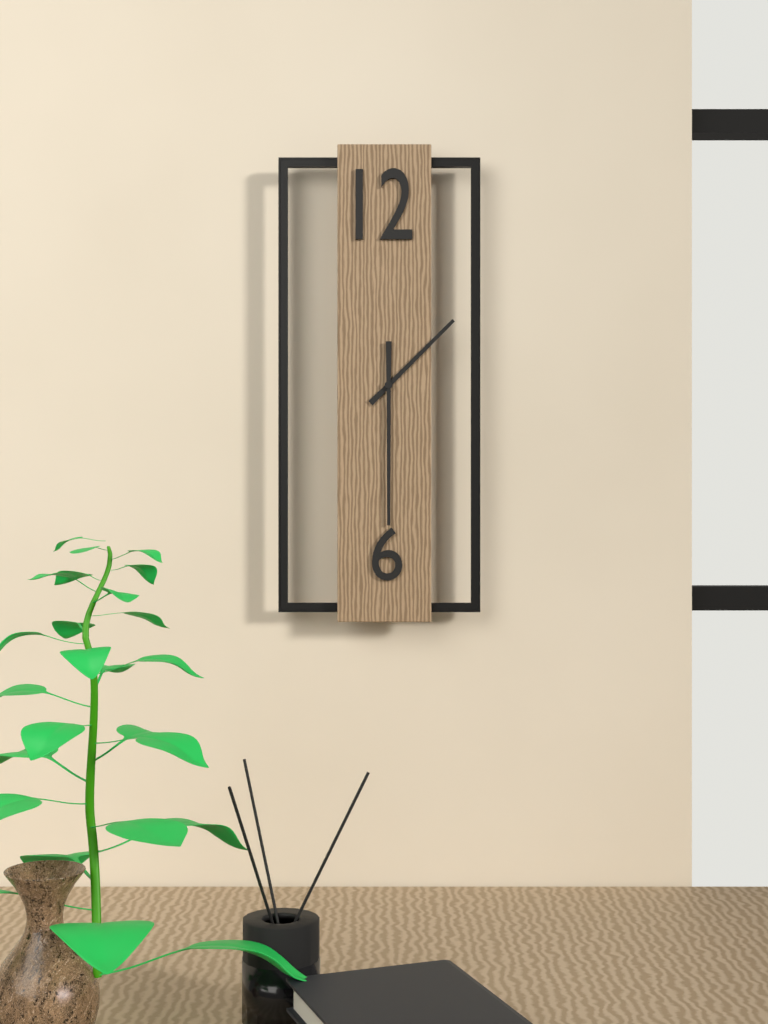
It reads 1h30
